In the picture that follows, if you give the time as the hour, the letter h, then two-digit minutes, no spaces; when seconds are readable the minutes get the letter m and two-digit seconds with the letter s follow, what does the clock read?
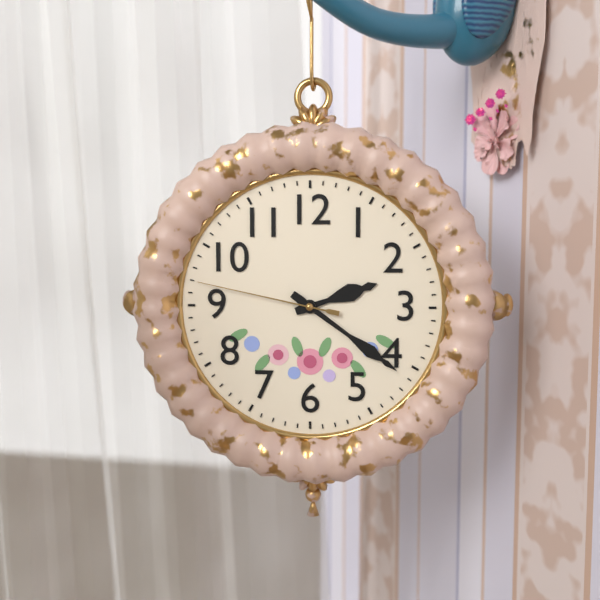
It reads 2h21m47s
